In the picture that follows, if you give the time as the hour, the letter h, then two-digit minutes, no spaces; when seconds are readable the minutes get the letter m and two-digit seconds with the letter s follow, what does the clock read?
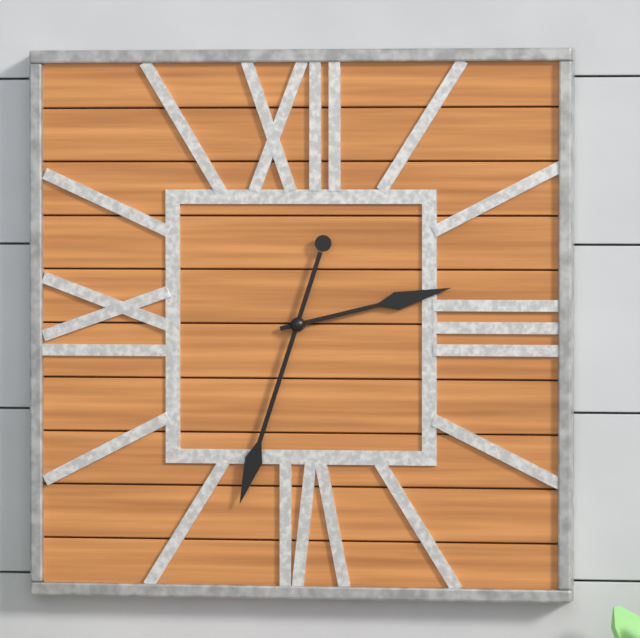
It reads 2h33
